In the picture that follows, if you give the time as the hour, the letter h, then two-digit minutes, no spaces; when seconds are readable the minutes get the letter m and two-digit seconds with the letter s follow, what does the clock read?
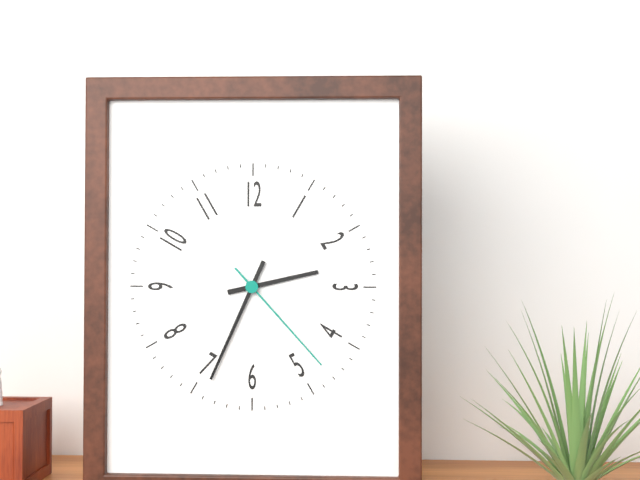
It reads 2h34m23s
